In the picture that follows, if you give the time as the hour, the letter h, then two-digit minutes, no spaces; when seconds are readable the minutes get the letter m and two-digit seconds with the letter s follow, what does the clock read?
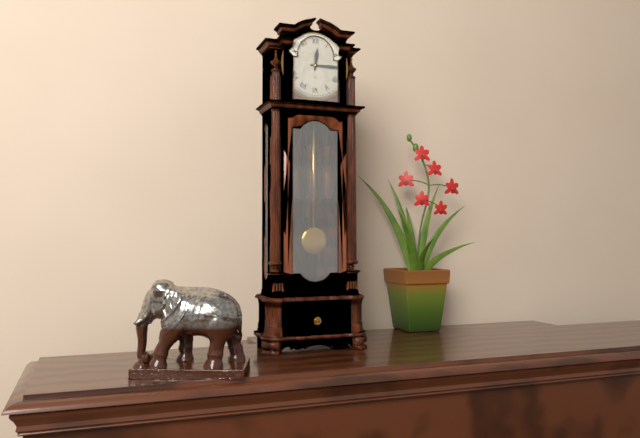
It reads 12h15
